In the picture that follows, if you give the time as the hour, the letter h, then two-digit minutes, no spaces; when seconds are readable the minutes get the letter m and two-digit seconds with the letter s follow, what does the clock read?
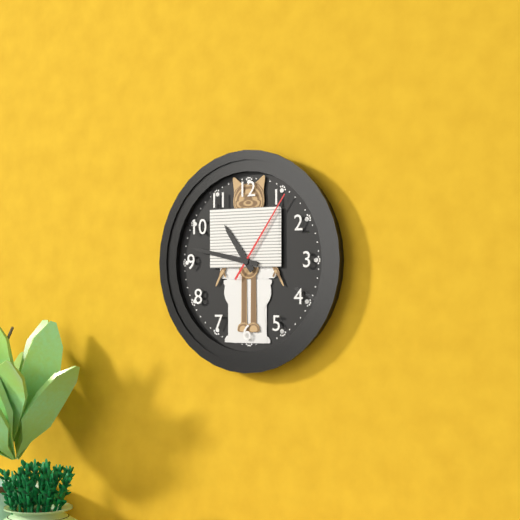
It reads 10h47m06s
